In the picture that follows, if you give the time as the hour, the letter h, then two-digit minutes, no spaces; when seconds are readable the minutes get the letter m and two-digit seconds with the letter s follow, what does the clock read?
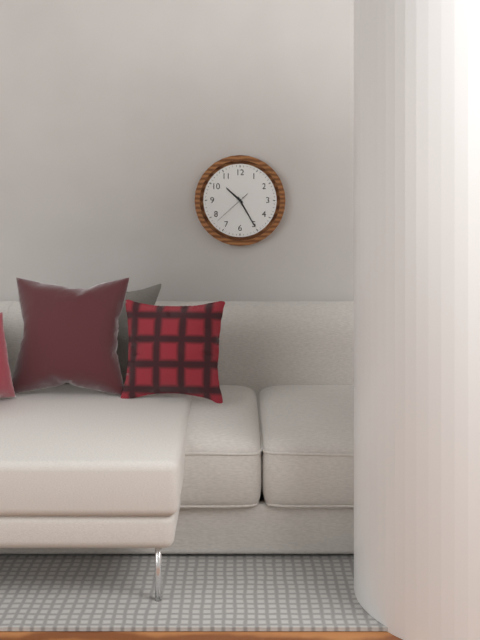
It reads 10h25
